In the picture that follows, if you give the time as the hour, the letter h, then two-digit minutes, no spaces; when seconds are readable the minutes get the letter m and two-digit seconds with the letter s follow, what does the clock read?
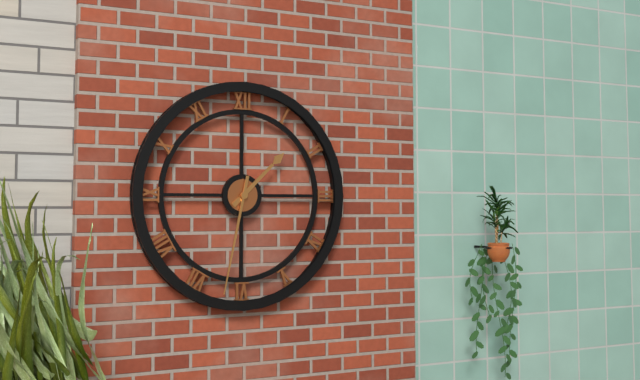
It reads 1h32
